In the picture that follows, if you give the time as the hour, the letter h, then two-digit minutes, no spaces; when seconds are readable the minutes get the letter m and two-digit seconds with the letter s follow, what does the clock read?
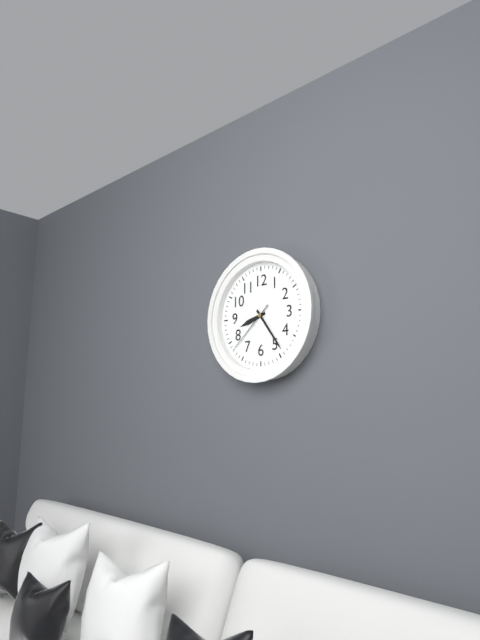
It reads 8h24m38s
